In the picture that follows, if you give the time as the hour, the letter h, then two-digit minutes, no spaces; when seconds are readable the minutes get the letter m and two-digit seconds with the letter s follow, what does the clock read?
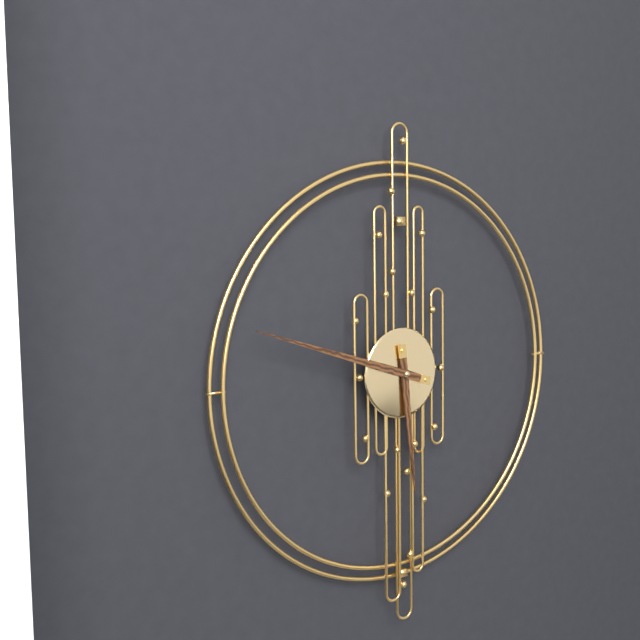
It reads 5h48
